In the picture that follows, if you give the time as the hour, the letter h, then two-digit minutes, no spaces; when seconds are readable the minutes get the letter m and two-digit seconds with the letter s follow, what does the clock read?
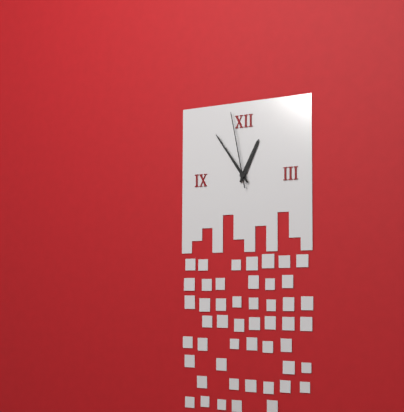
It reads 12h54m58s
